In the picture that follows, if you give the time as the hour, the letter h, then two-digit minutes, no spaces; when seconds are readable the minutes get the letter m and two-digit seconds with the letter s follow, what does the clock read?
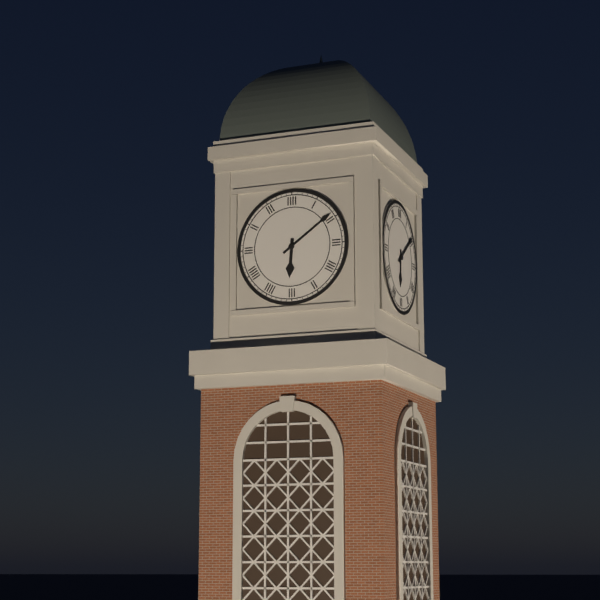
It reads 6h09
